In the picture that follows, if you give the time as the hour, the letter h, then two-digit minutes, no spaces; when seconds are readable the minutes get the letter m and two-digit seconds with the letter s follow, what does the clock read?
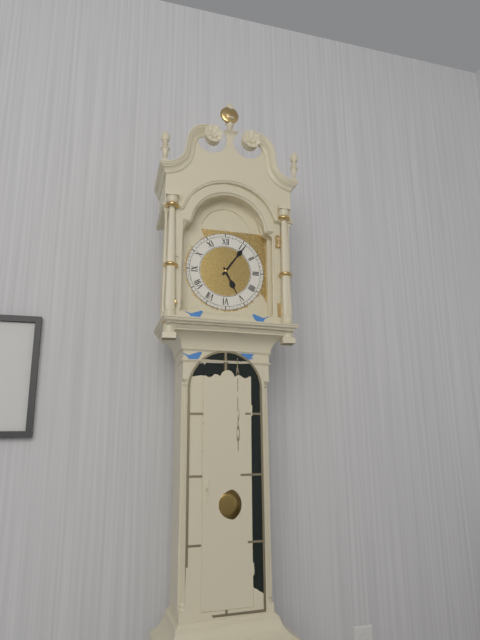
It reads 5h06
